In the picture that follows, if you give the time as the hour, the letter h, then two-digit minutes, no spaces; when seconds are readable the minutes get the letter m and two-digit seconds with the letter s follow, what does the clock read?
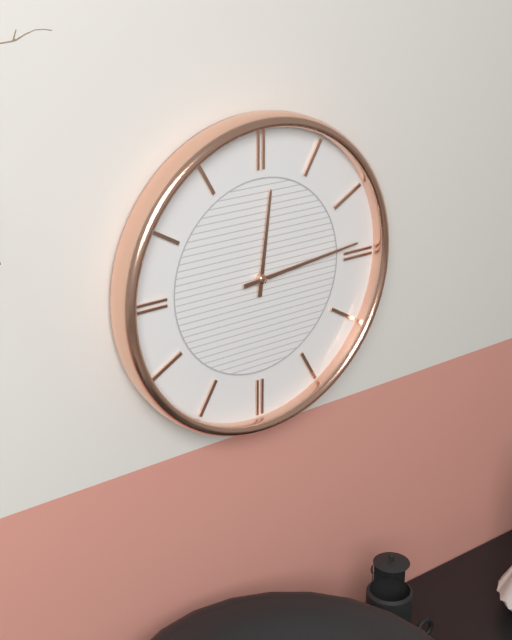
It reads 12h14
